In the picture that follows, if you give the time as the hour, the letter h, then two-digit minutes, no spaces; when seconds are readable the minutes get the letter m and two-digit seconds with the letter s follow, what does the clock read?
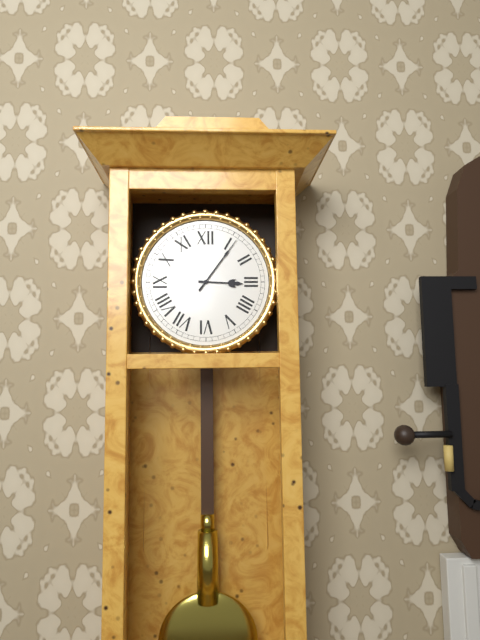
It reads 3h06
